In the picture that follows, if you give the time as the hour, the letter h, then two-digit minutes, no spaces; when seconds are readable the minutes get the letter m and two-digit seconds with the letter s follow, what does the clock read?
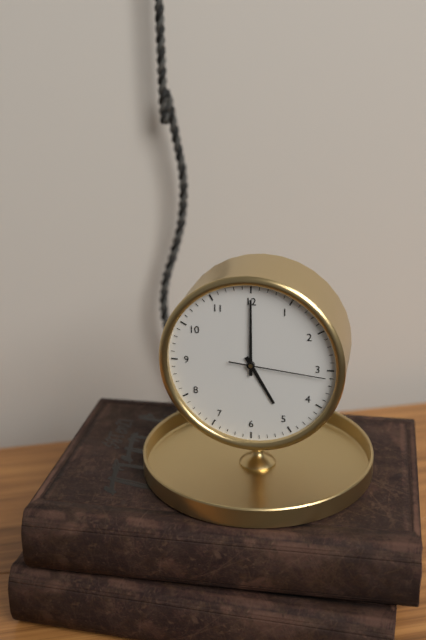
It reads 5h00m16s
